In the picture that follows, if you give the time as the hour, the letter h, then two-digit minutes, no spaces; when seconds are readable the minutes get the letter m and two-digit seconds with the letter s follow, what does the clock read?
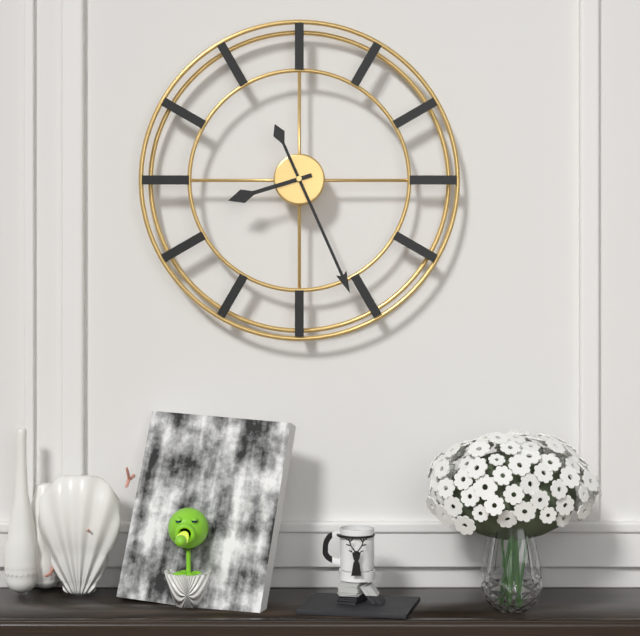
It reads 8h26
